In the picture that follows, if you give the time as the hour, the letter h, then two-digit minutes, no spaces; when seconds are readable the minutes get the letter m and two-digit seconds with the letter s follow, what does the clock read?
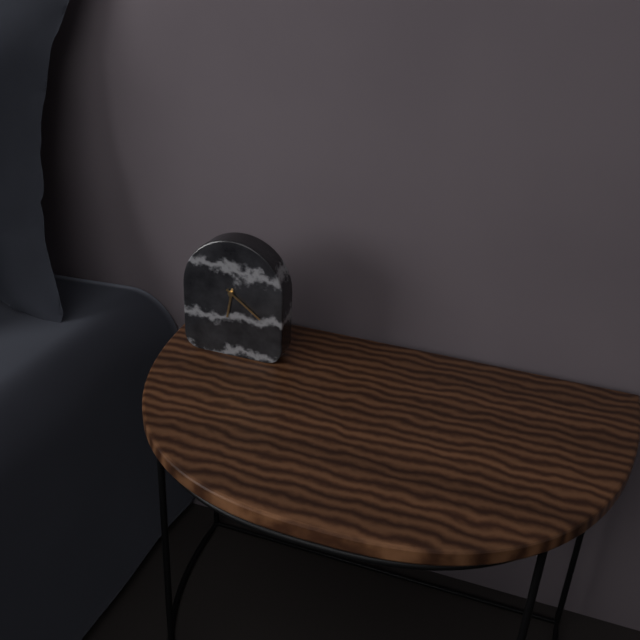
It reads 6h21
